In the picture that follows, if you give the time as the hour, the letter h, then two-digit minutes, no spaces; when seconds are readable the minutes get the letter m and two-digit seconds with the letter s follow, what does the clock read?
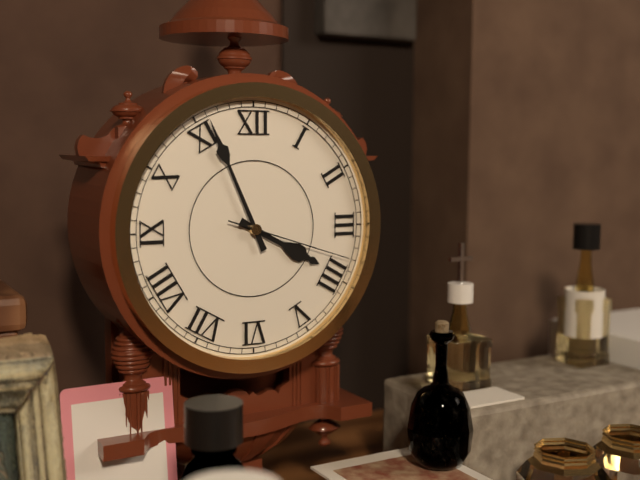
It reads 3h56m18s
